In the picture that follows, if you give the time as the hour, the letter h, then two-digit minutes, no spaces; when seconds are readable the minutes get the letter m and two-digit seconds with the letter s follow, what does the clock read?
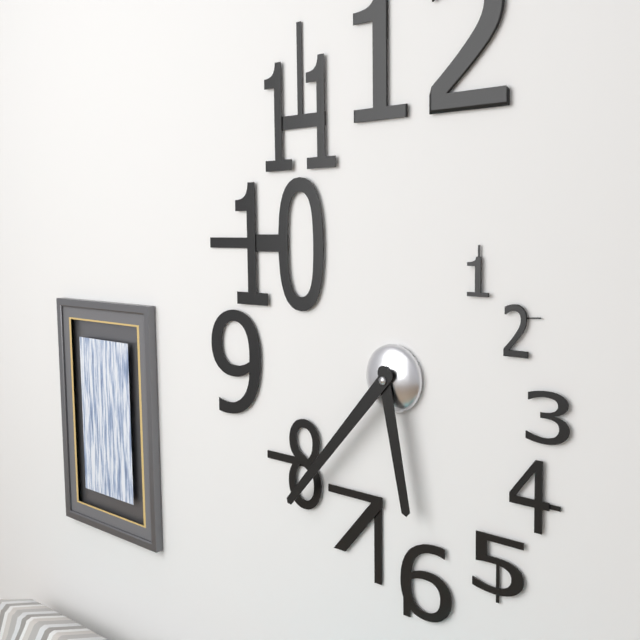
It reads 5h37
